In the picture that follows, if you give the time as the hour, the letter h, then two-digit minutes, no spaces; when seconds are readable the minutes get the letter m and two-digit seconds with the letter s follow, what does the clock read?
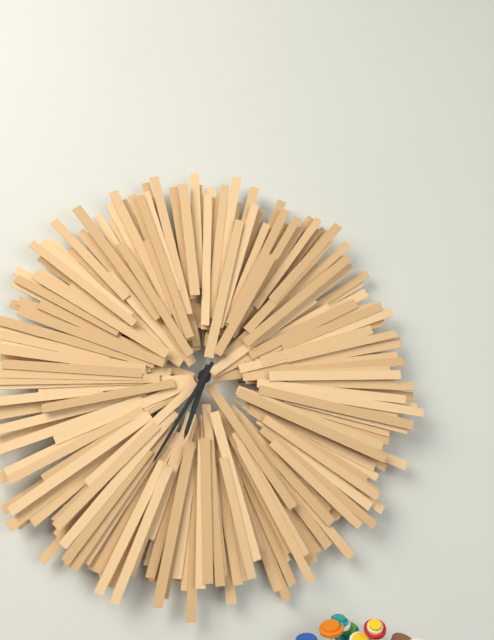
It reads 6h35
